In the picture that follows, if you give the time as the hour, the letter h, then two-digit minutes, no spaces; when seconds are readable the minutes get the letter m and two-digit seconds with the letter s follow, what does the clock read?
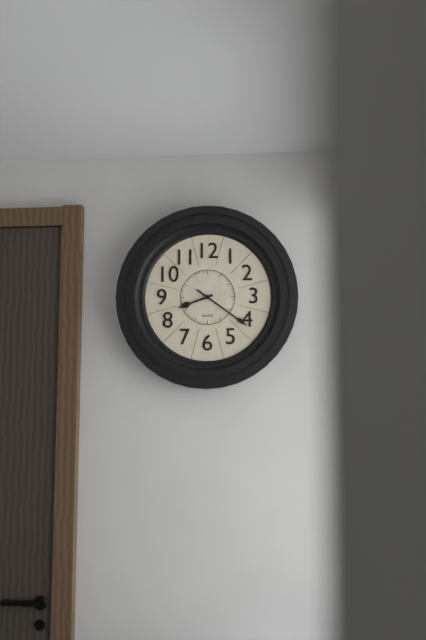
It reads 8h21
